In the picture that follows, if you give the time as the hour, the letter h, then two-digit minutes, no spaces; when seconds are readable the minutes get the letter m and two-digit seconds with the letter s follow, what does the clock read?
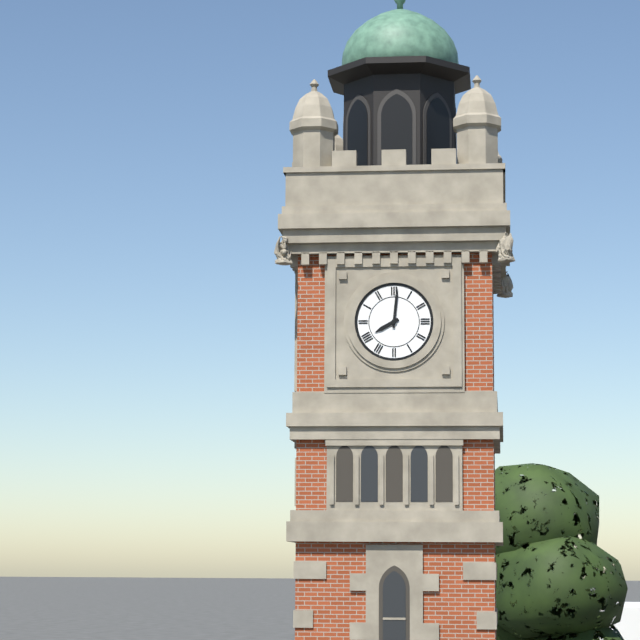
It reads 8h01
